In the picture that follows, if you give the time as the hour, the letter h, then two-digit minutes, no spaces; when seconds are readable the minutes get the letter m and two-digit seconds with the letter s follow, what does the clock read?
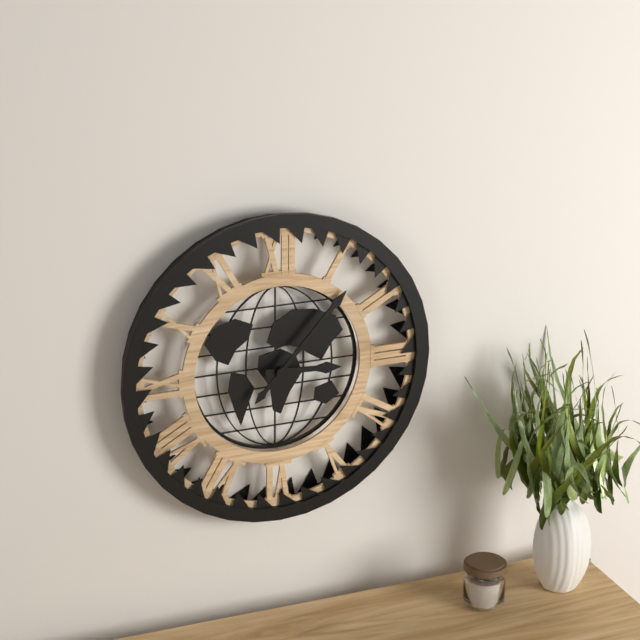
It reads 3h07
